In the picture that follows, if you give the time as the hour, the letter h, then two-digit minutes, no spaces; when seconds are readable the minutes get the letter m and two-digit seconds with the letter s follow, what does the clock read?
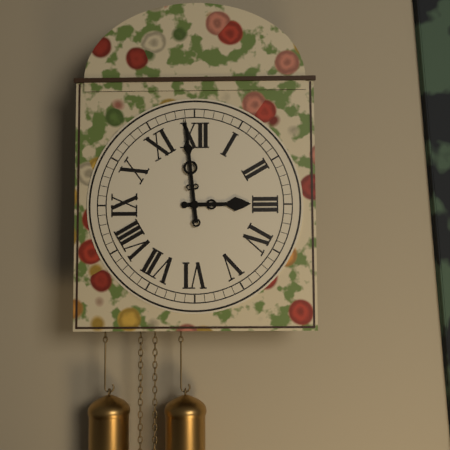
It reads 2h59
